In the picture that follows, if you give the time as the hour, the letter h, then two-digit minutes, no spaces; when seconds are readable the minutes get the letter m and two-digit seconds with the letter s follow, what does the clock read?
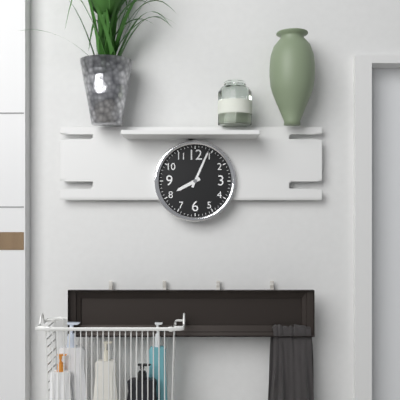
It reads 8h04
